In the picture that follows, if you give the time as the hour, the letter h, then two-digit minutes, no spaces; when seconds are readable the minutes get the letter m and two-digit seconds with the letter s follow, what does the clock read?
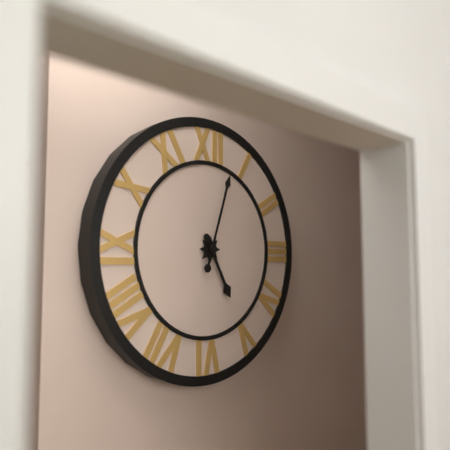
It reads 5h03
